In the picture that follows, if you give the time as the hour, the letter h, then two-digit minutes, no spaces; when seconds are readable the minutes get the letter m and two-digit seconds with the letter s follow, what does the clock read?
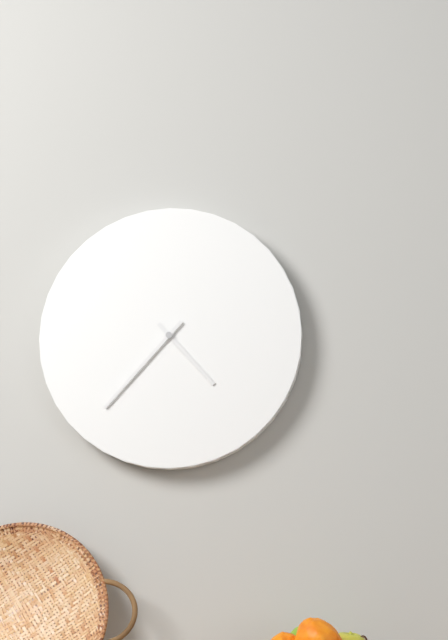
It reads 4h37
